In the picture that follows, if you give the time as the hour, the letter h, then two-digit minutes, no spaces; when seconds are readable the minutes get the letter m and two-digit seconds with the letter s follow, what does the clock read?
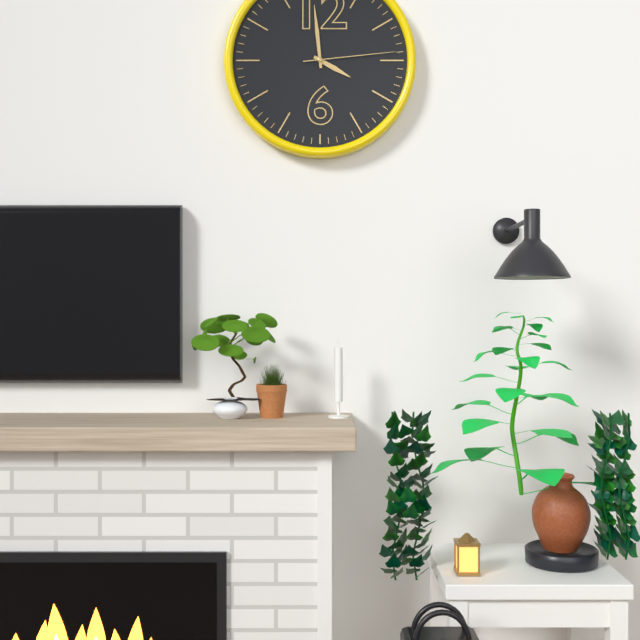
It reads 3h59m14s
